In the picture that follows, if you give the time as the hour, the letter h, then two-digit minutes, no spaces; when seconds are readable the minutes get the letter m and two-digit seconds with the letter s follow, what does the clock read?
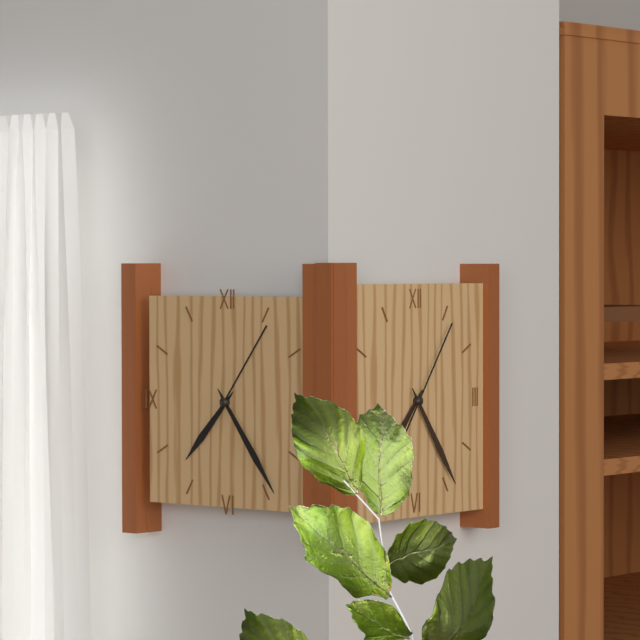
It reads 7h24m06s
